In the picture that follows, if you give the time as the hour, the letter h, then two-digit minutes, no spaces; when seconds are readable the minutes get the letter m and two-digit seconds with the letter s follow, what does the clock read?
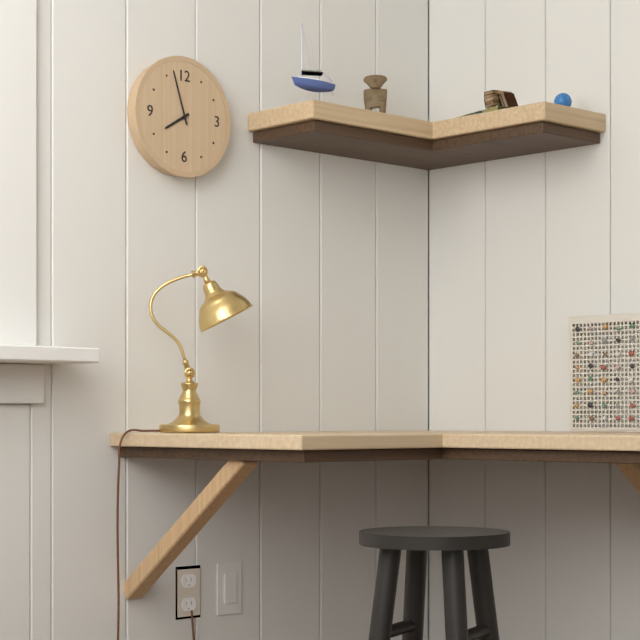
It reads 7h57
